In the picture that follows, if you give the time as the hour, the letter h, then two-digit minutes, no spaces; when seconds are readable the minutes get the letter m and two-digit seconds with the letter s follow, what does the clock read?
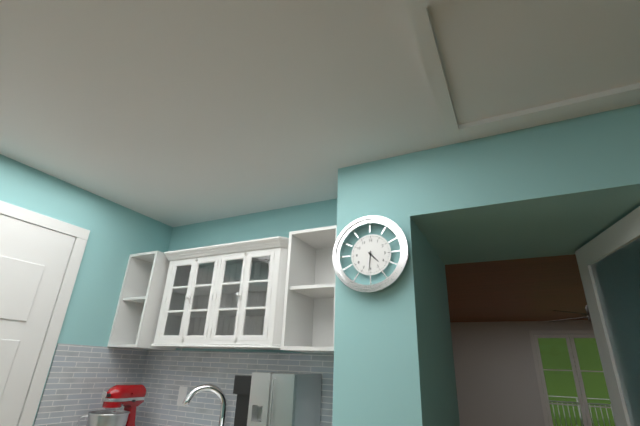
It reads 4h31
